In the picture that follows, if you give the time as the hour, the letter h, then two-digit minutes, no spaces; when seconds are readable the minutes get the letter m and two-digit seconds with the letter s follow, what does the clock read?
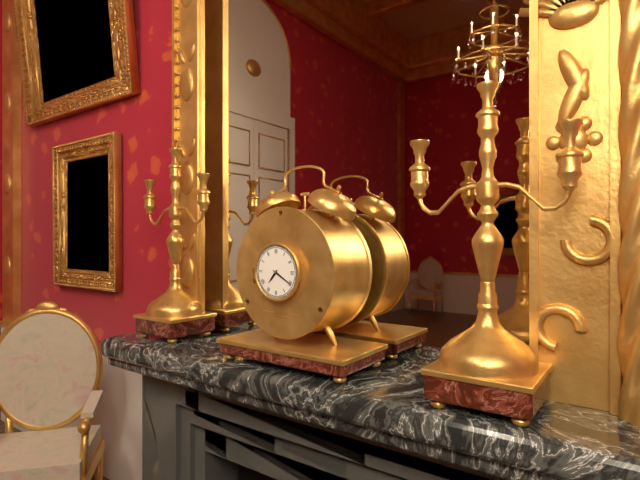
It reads 7h20
